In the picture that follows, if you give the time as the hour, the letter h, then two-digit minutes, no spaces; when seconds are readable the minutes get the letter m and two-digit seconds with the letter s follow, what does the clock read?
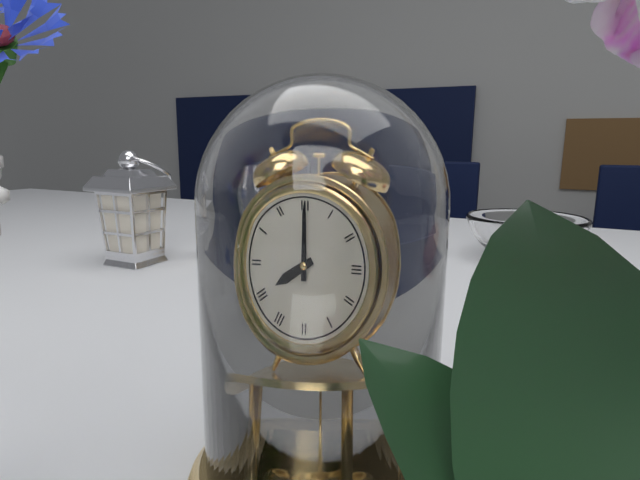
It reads 8h00
